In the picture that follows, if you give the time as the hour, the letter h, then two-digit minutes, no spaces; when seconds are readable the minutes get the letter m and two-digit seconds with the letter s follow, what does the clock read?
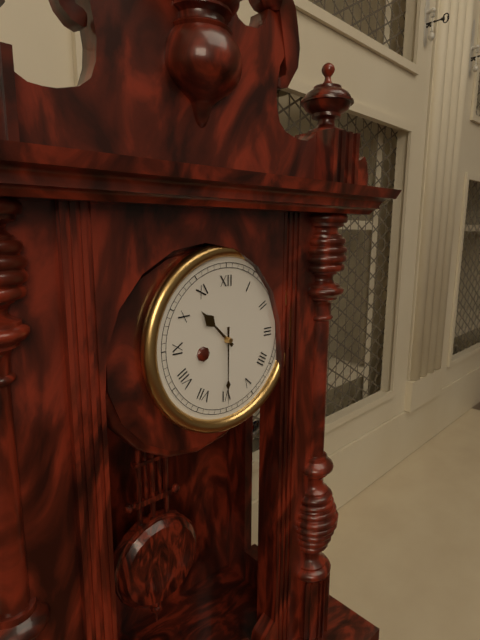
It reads 10h30
